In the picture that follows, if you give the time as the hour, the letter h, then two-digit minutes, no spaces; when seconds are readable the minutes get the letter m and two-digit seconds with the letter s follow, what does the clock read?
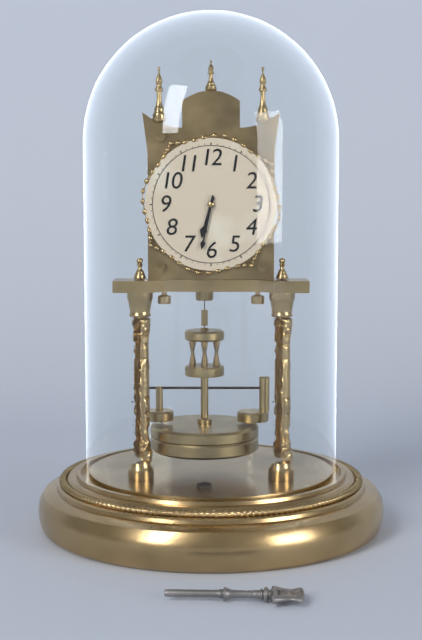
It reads 6h32
